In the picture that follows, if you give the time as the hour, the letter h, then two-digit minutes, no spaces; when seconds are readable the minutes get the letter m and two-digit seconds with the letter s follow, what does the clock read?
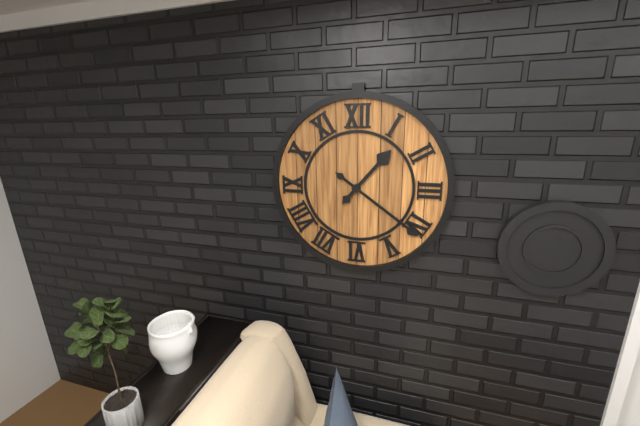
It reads 1h21
